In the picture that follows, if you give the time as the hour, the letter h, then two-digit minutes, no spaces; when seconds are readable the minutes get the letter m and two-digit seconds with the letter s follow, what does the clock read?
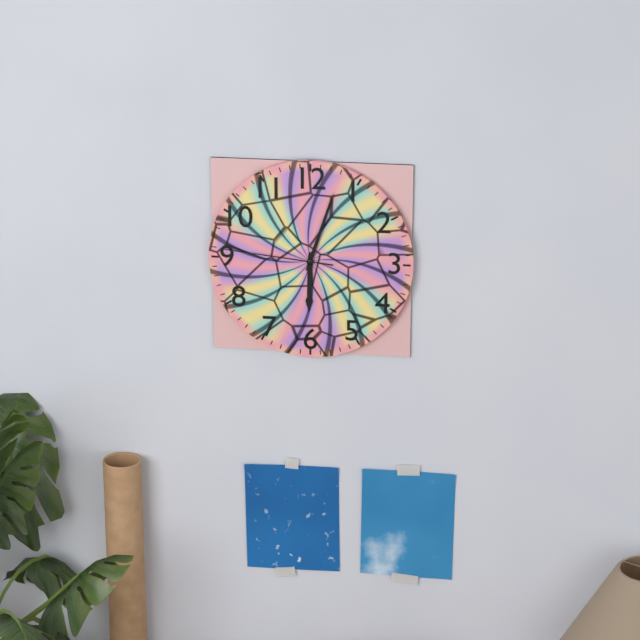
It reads 6h03m46s
